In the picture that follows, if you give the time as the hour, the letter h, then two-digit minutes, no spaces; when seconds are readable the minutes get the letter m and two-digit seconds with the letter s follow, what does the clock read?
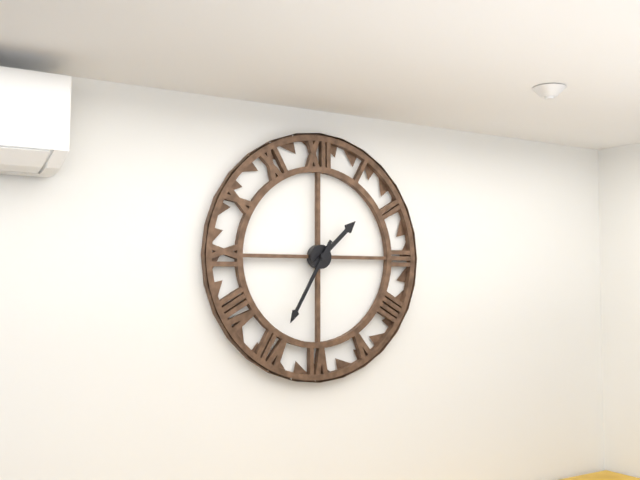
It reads 1h35
